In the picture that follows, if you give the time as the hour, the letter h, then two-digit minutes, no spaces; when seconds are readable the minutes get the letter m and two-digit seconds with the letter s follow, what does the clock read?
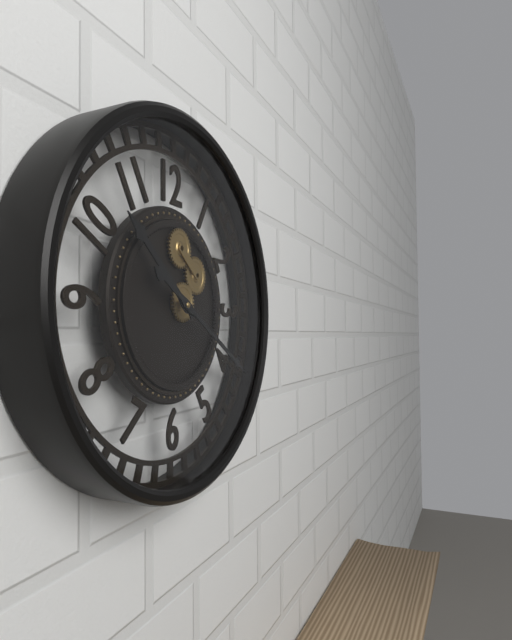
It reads 10h20
